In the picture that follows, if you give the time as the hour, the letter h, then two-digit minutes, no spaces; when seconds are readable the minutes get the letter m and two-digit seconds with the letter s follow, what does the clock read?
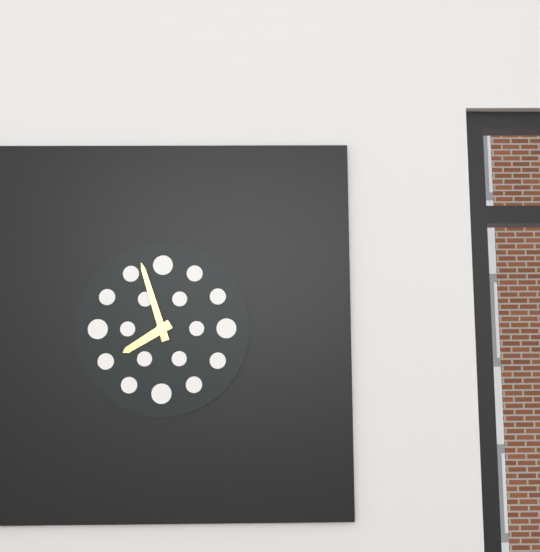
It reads 7h57
